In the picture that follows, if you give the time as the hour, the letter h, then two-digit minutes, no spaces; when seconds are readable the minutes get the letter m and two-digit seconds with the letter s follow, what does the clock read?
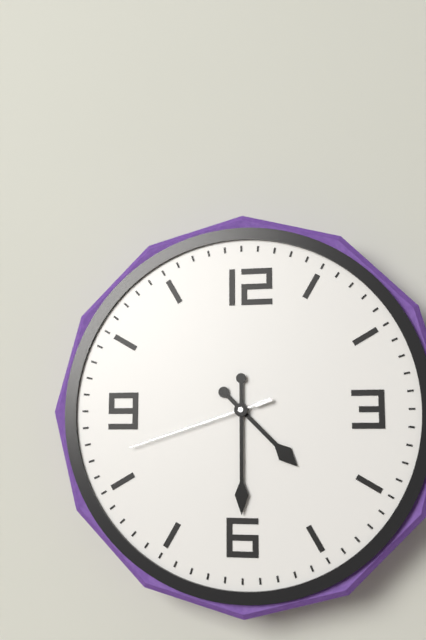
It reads 4h30m42s
